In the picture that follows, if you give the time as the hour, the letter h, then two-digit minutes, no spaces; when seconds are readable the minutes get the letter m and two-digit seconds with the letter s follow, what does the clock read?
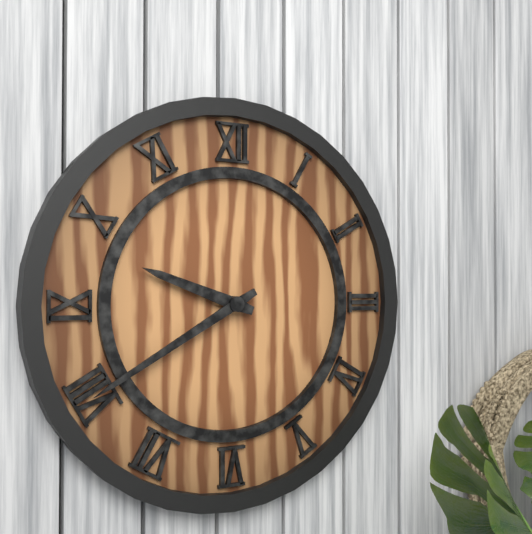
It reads 9h40
